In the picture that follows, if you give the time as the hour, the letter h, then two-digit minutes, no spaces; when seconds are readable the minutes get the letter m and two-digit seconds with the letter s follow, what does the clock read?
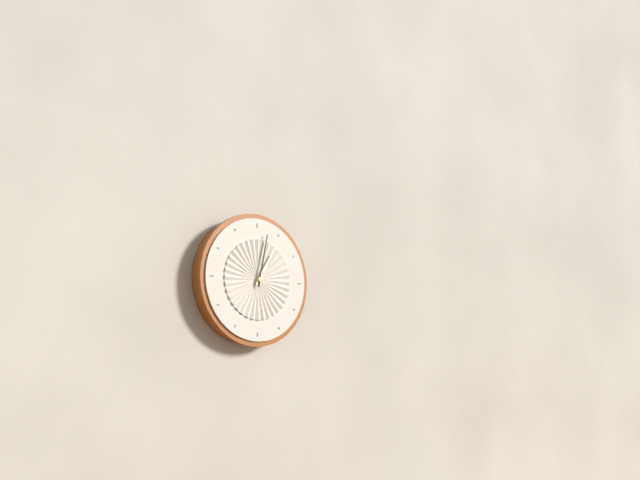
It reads 1h02
